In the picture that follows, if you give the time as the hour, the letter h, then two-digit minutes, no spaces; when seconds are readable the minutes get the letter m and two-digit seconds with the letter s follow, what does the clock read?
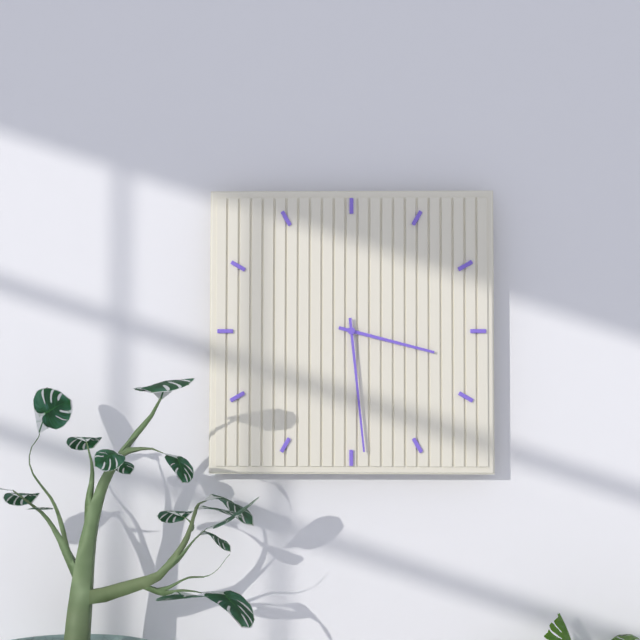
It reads 3h29
